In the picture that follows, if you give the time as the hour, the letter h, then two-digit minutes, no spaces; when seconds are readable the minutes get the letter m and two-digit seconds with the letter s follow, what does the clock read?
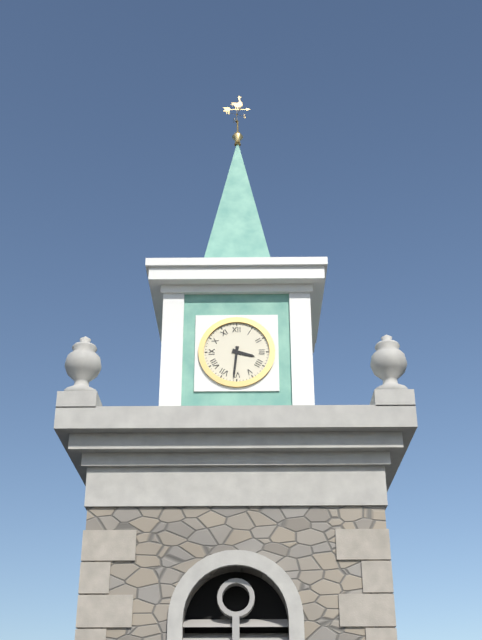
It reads 3h31
